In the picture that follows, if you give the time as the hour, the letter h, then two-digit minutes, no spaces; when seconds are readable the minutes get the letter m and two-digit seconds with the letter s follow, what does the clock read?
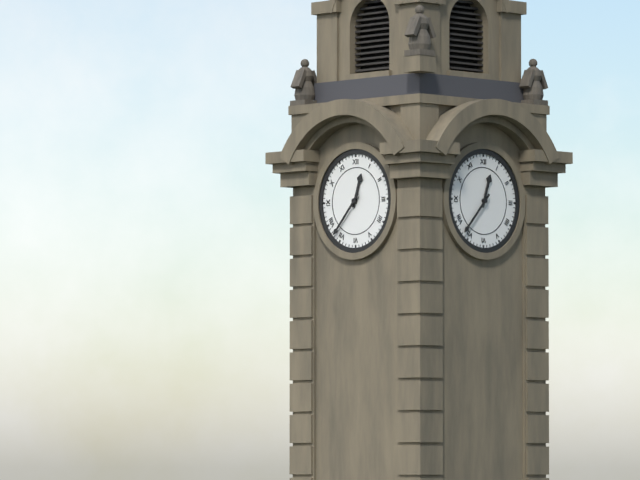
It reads 12h37
